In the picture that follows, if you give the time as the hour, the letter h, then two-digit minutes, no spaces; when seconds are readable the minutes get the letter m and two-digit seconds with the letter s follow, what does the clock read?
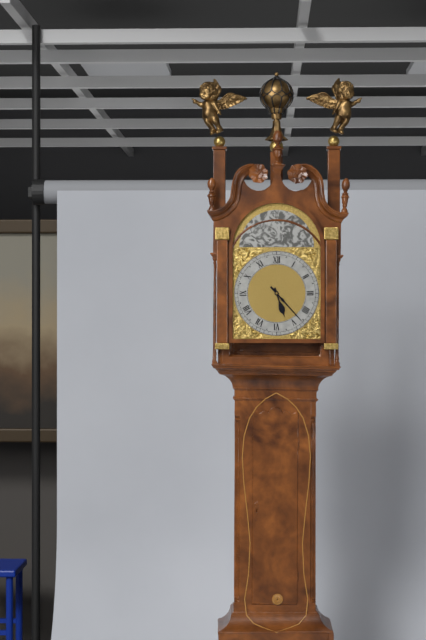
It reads 5h23
